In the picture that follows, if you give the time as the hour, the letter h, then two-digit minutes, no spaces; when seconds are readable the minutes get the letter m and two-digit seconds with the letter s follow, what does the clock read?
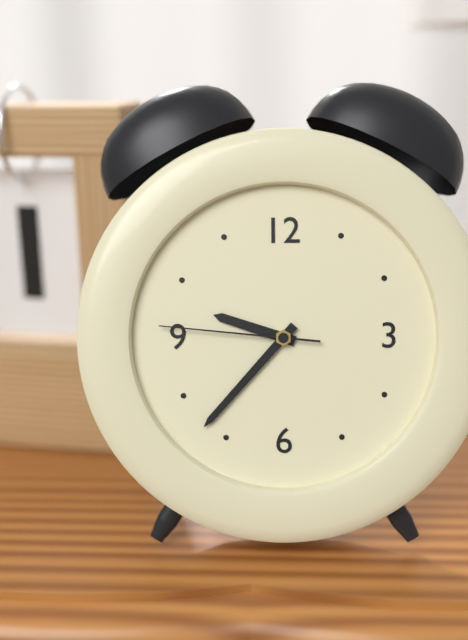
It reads 9h37m46s
